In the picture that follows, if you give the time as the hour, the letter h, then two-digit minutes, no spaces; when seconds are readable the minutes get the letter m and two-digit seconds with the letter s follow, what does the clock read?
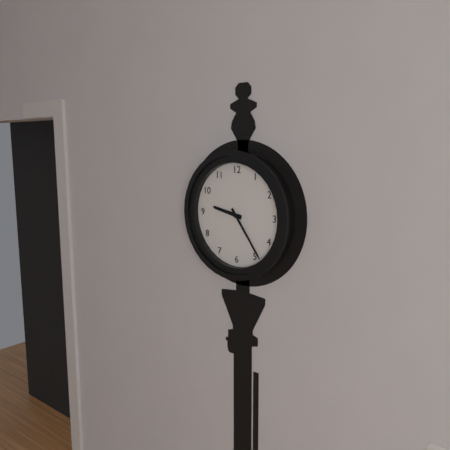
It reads 9h24
